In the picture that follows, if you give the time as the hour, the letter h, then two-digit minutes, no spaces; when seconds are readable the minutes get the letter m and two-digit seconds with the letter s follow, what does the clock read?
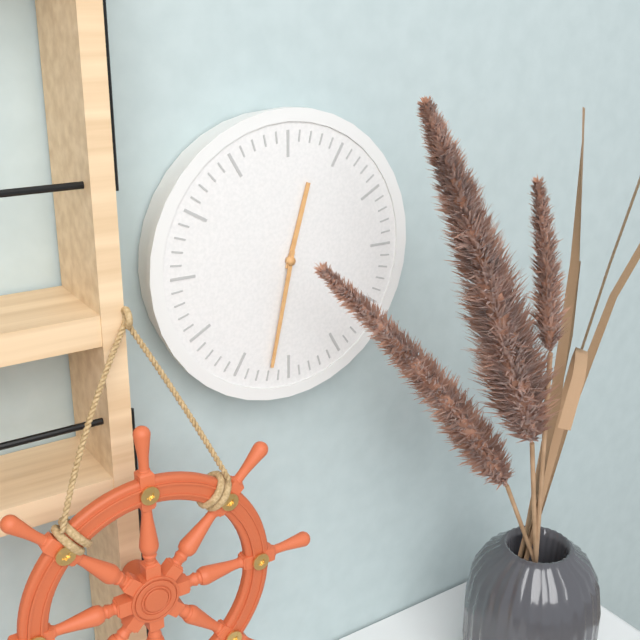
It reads 12h32
